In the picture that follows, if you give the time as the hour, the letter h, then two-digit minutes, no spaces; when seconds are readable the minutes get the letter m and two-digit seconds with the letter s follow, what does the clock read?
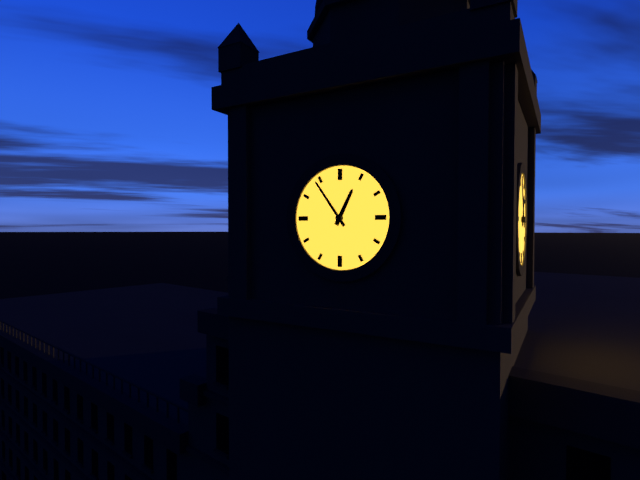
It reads 12h54
